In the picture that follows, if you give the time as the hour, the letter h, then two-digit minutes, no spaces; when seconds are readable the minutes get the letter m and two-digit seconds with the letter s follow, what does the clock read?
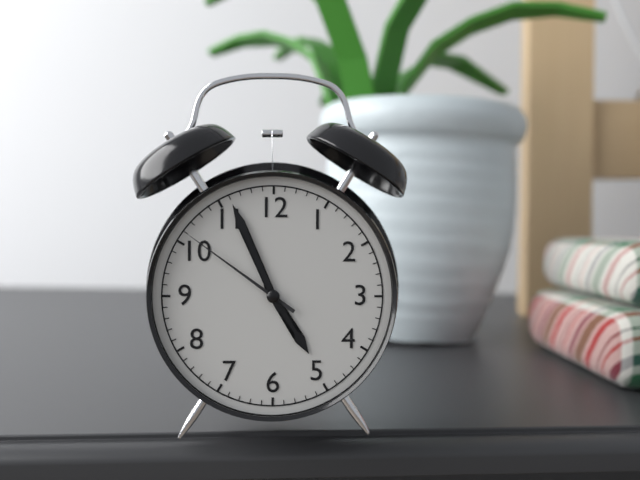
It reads 4h56m51s
